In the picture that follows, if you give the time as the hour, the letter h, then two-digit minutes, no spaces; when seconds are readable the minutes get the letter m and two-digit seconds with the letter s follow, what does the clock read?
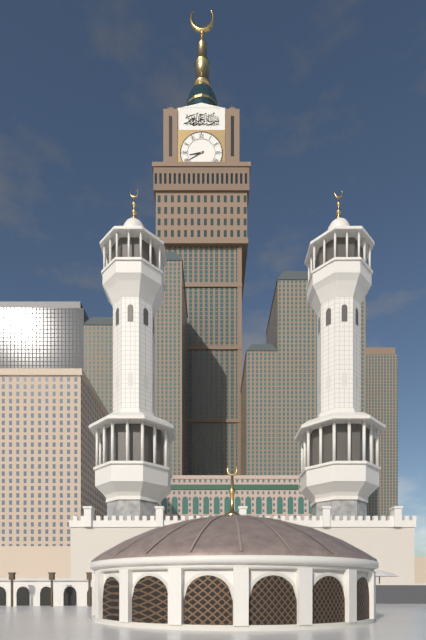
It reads 8h40
